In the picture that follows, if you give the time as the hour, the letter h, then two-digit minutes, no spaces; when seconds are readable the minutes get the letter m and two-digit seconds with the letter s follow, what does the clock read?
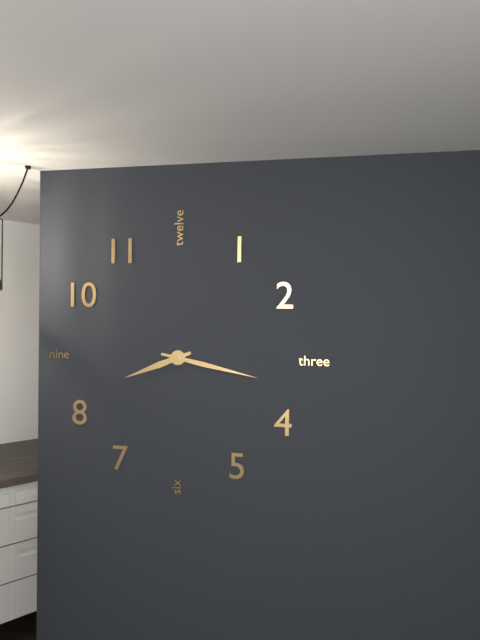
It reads 8h17
